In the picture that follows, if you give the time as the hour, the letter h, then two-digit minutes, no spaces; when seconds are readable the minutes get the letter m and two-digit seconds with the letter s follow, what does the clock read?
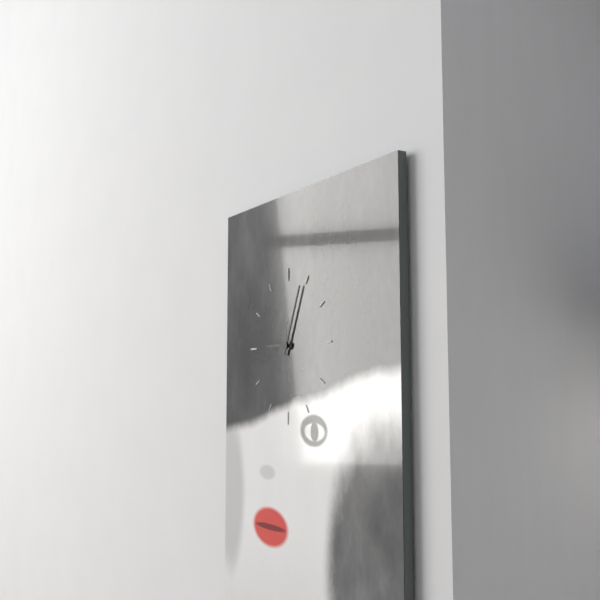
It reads 9h04
